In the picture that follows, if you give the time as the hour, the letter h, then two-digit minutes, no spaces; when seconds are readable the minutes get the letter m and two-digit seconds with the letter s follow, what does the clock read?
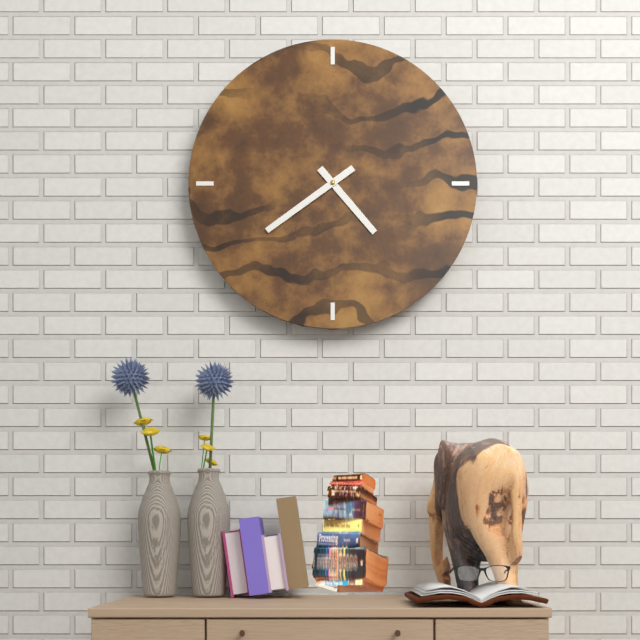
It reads 4h39
